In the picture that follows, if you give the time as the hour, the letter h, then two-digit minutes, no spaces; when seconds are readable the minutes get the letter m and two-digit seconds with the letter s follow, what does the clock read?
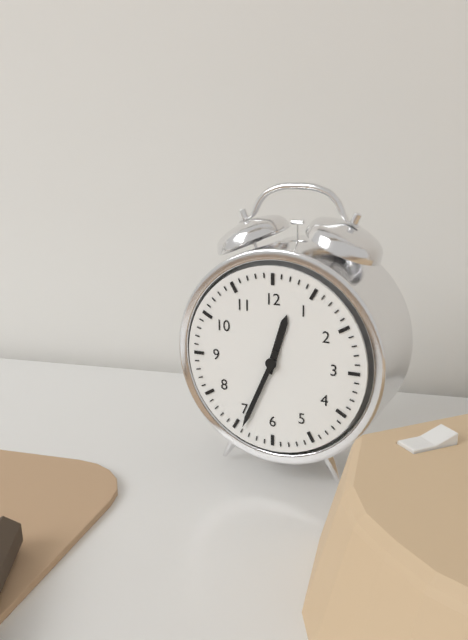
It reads 12h34
